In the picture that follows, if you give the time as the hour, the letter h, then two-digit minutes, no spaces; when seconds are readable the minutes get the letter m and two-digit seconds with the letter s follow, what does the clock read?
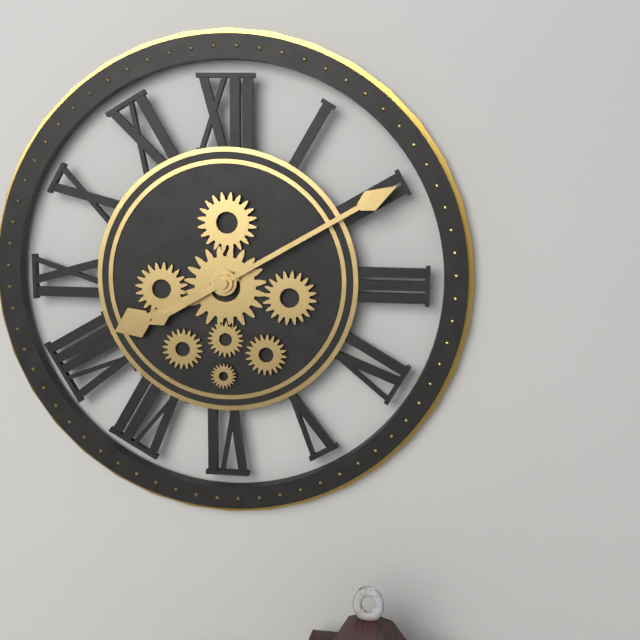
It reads 8h10
